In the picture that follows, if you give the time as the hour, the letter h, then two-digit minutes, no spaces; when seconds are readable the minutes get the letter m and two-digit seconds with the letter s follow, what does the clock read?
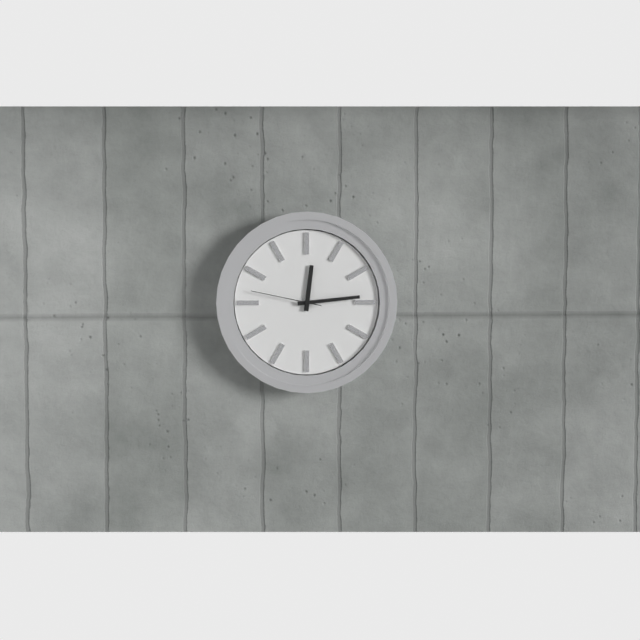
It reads 12h14m47s
